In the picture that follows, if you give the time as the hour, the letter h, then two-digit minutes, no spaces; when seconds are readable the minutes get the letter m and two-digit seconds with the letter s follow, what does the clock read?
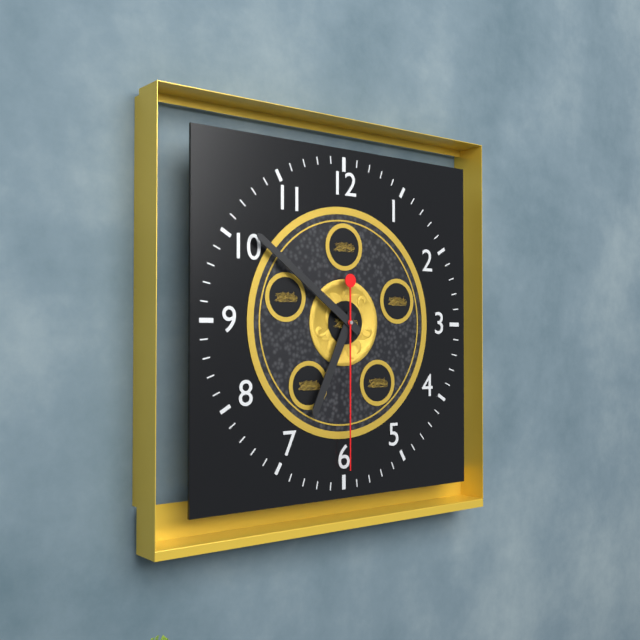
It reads 6h51m30s
